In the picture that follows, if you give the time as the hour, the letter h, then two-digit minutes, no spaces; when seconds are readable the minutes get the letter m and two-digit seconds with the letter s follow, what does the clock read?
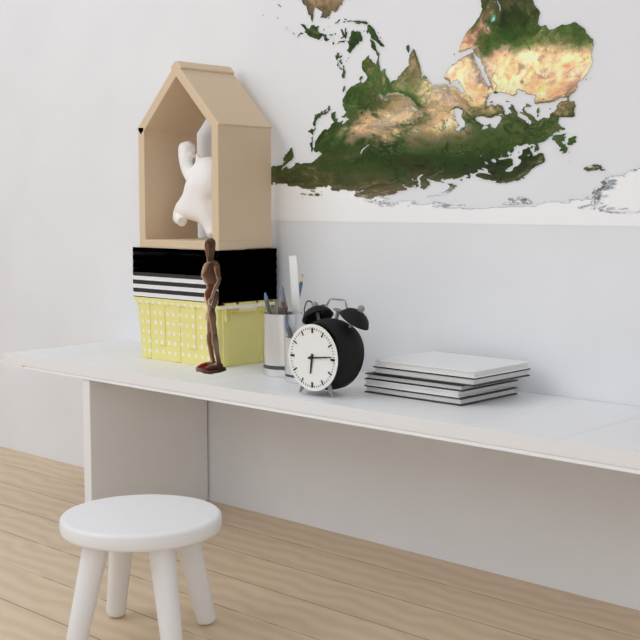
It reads 6h14
